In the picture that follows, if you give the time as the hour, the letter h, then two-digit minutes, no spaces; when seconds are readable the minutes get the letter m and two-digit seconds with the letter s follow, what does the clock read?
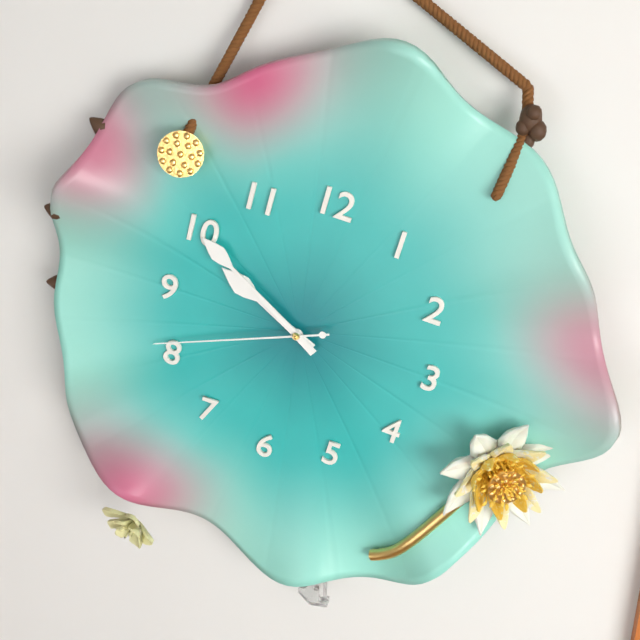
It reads 9h50m41s
